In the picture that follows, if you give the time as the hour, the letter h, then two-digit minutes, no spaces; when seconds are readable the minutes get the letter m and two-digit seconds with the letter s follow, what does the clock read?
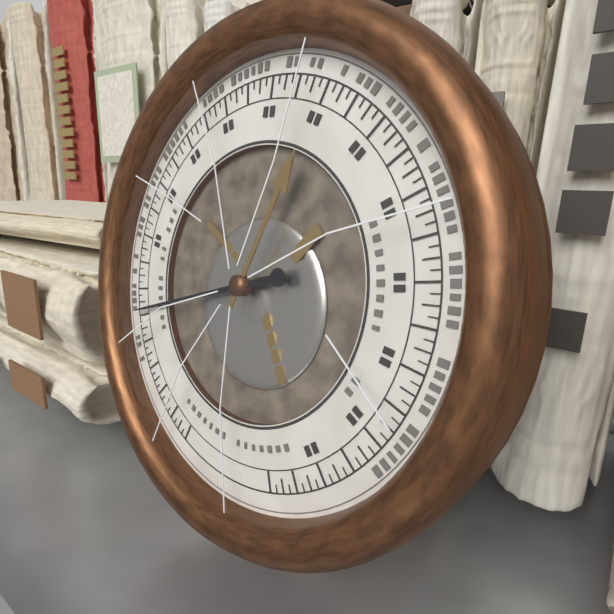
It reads 12h42
